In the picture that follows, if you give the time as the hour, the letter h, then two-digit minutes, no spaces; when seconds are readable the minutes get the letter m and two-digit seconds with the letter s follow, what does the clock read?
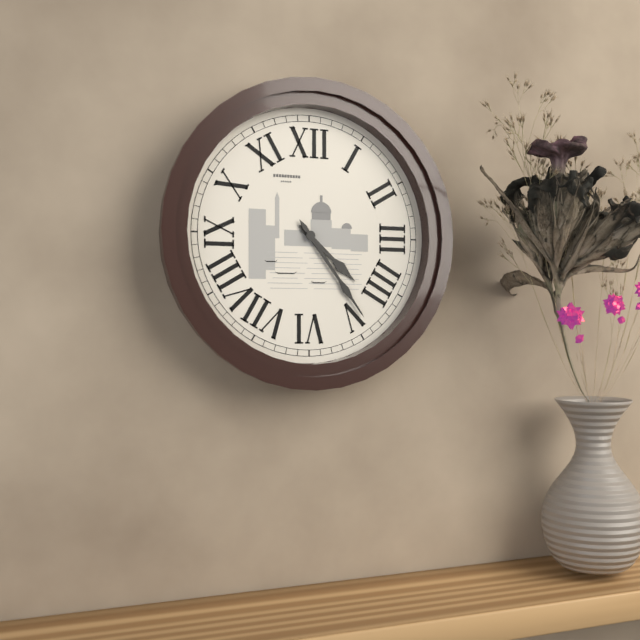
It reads 4h24
